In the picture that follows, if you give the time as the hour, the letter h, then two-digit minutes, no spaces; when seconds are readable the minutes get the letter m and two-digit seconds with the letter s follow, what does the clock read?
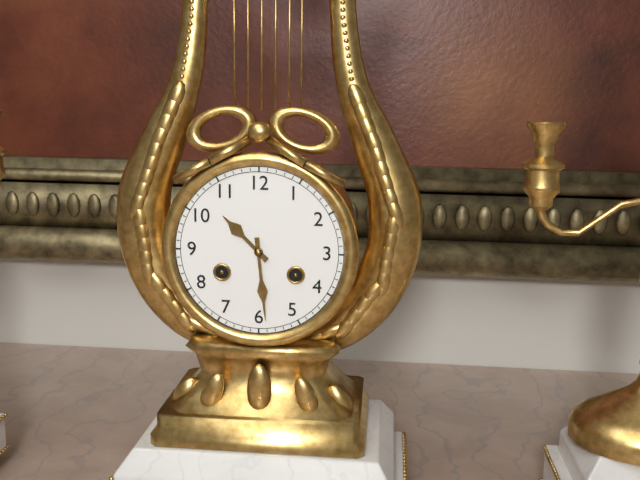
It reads 10h29
